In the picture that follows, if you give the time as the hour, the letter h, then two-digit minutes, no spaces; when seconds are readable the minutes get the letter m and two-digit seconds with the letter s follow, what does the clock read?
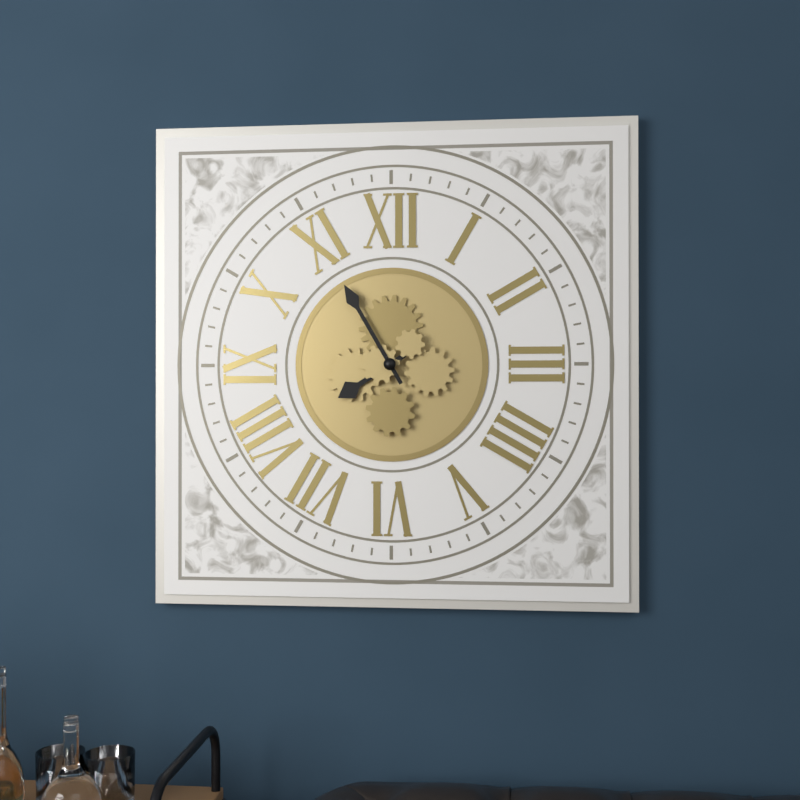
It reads 7h55
